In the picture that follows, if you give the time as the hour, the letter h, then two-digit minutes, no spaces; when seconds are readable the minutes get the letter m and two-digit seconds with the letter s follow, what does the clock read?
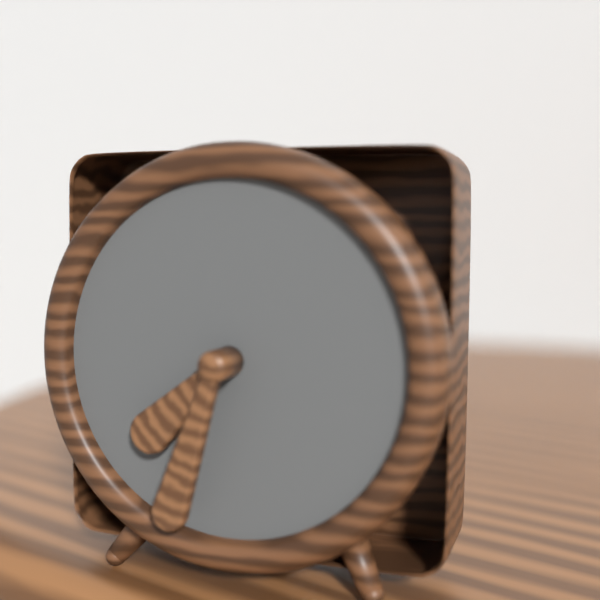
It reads 7h33
